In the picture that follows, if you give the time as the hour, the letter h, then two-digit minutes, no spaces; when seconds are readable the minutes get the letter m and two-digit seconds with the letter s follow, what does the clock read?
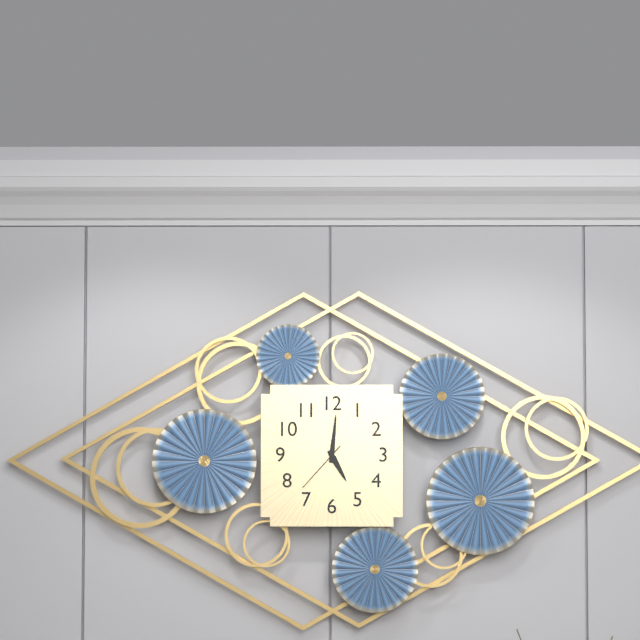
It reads 5h01m37s
